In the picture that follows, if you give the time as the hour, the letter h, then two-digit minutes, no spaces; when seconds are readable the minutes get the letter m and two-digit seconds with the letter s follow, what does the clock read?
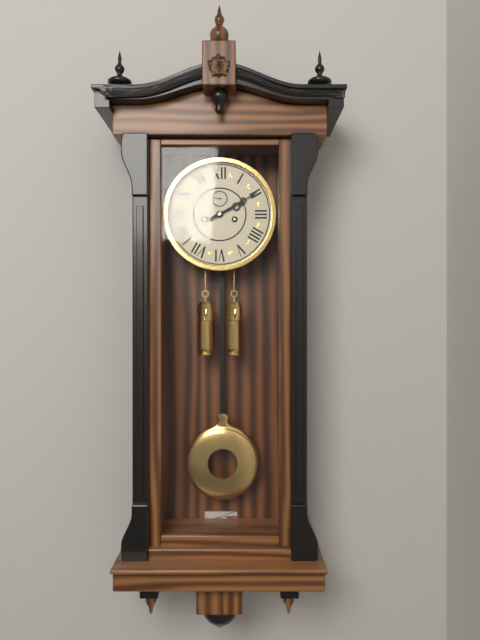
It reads 2h10
